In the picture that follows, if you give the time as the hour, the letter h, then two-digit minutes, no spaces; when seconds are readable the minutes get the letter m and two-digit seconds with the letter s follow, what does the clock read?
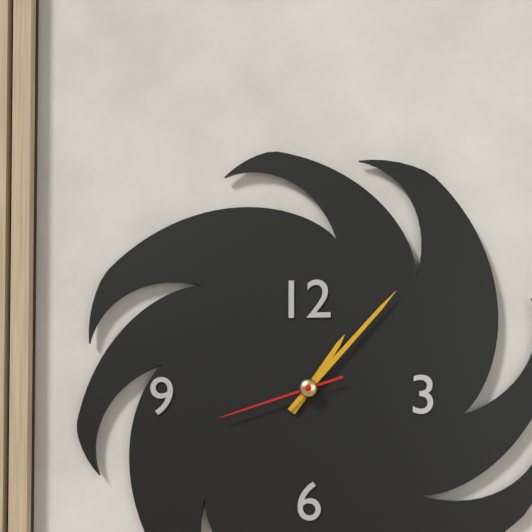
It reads 1h07m42s
